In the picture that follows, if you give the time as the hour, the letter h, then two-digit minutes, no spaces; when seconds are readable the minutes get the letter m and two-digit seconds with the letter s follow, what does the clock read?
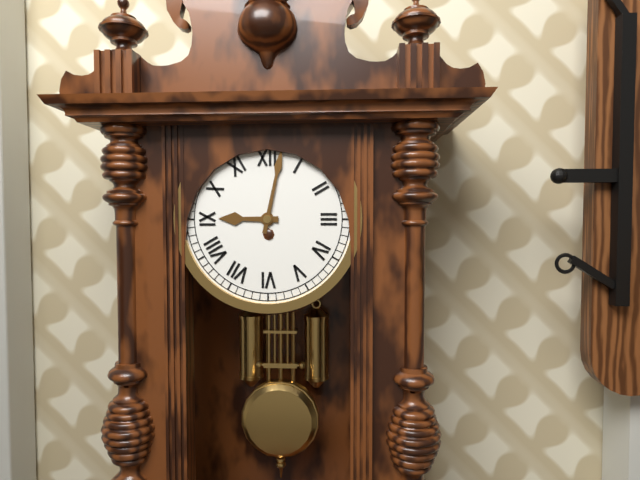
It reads 9h02
